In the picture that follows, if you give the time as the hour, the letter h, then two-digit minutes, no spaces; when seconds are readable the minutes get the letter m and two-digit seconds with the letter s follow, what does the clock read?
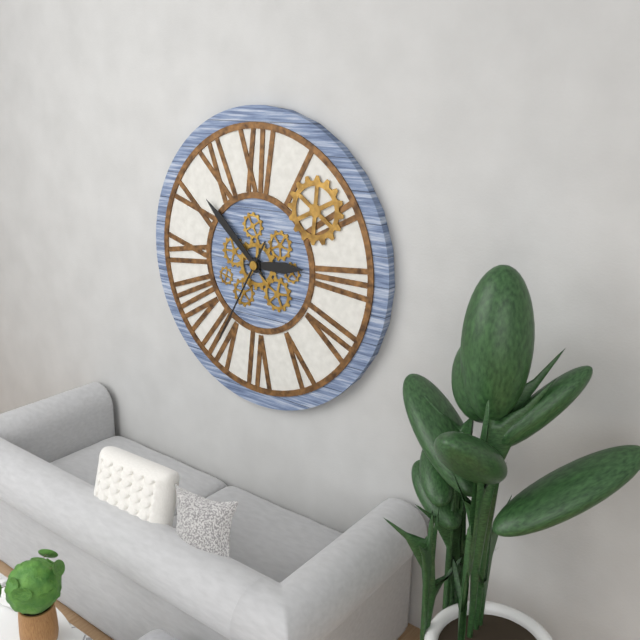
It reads 2h52m35s
